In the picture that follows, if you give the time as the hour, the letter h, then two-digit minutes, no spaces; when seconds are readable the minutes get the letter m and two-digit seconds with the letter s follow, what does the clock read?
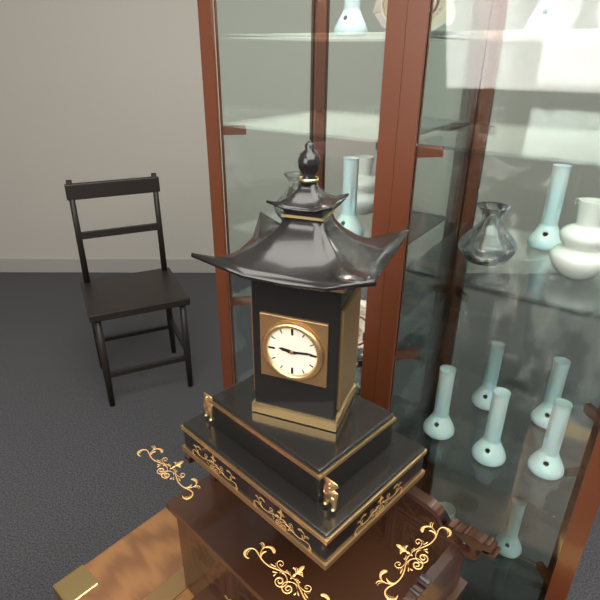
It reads 9h14
